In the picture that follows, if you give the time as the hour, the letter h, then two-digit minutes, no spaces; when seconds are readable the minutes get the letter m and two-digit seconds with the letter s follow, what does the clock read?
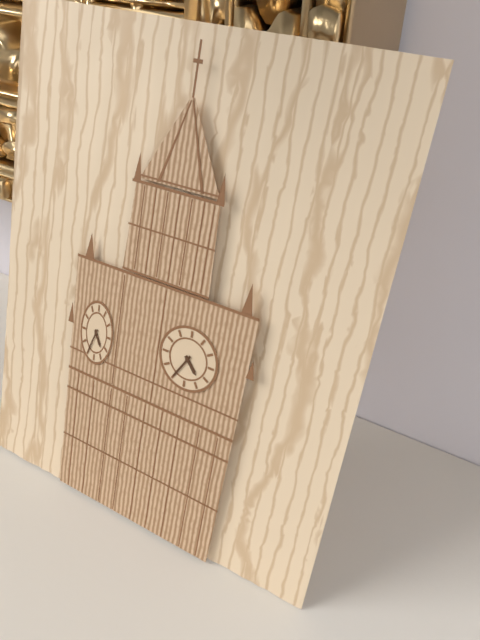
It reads 4h35
